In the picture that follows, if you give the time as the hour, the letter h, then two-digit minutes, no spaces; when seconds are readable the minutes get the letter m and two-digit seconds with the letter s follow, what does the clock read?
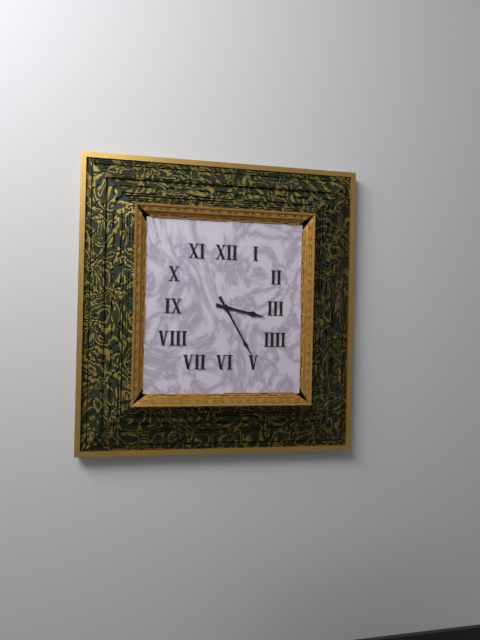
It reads 3h25
